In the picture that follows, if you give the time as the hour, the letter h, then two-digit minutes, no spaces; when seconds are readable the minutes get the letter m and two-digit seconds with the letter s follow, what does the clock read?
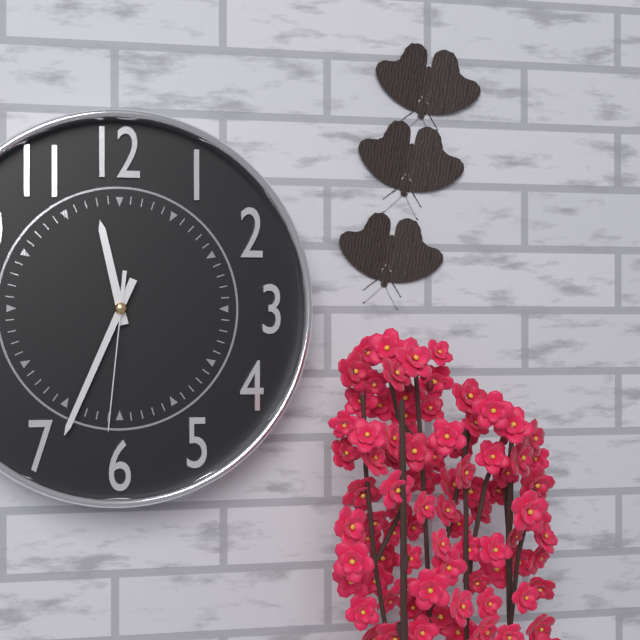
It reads 11h34m31s
